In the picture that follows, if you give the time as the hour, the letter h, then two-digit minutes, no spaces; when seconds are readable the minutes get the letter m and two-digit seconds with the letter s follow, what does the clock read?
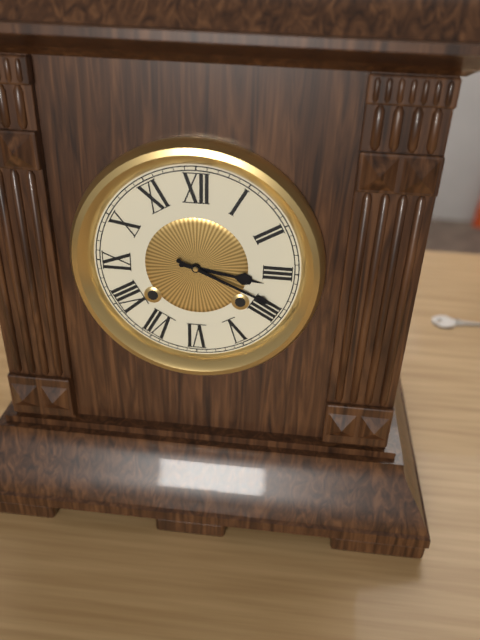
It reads 3h19
